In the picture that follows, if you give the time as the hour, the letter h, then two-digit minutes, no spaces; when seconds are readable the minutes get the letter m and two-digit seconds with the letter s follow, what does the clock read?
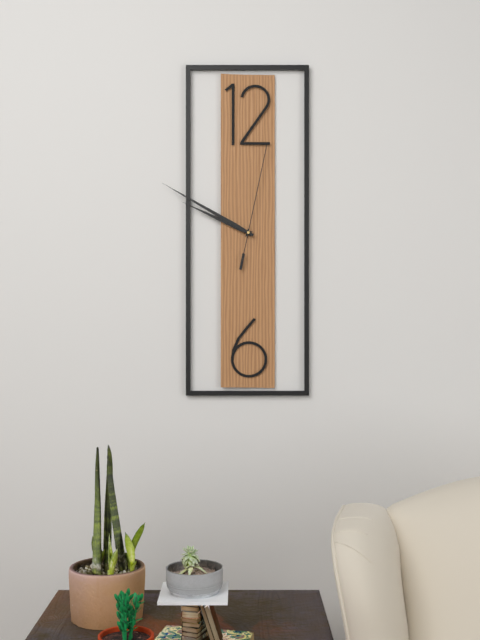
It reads 9h50m02s
